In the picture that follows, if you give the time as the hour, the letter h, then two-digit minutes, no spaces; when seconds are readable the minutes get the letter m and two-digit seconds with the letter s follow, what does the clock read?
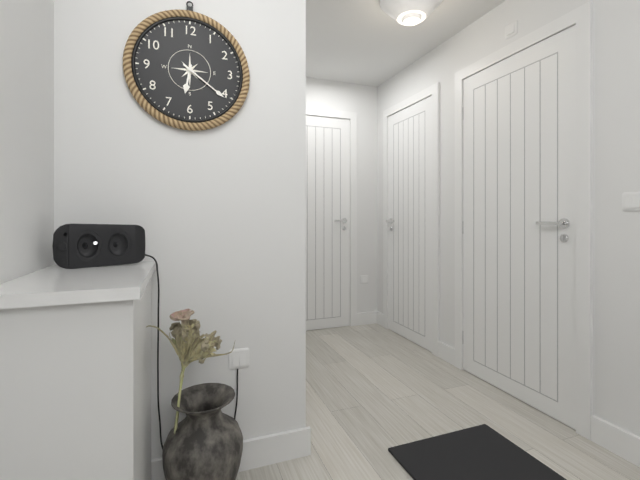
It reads 6h21
